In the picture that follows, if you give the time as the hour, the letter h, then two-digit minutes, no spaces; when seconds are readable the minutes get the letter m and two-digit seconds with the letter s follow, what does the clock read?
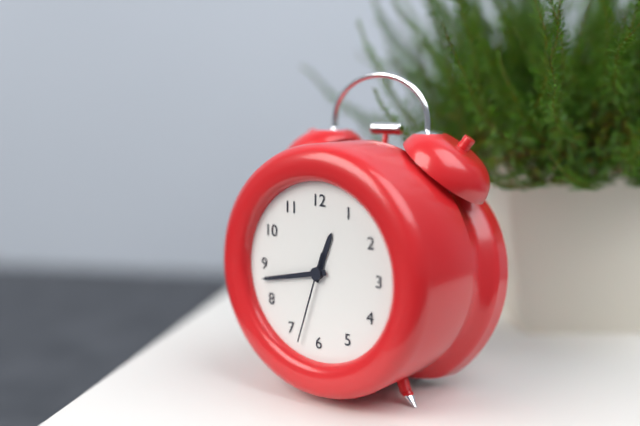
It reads 12h43m33s
